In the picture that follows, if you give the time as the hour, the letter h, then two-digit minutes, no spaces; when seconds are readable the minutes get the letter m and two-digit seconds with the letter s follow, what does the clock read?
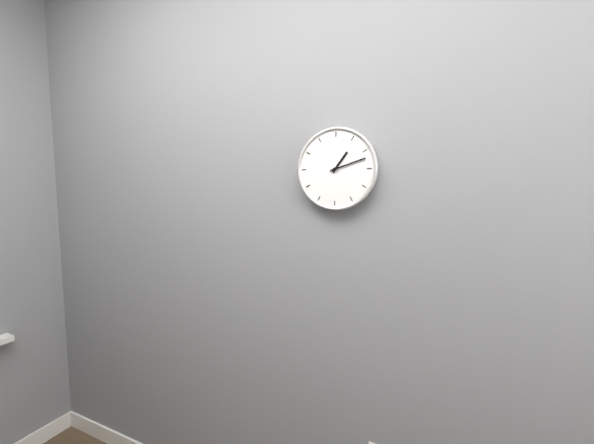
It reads 1h12
